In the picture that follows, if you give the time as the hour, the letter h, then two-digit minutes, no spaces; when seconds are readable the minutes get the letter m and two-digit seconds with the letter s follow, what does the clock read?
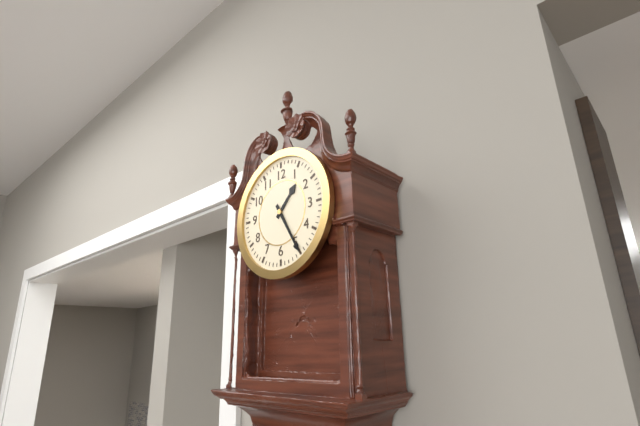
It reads 1h25
